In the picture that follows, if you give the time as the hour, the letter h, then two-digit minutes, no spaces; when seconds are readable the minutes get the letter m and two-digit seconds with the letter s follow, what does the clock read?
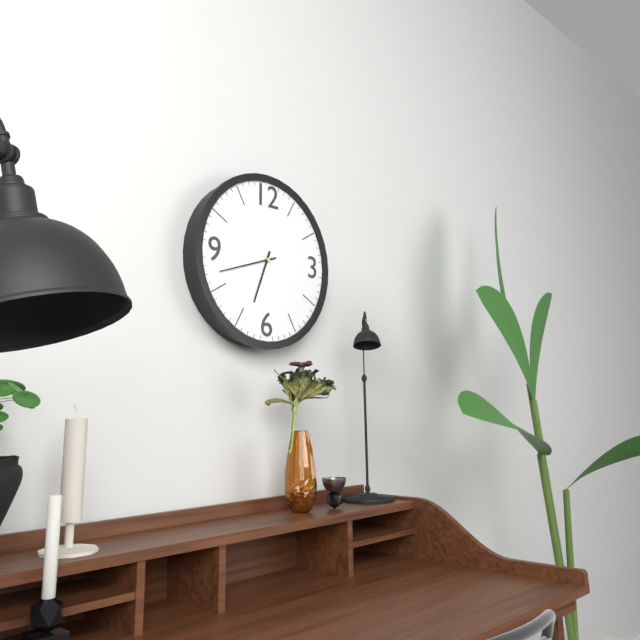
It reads 6h42
